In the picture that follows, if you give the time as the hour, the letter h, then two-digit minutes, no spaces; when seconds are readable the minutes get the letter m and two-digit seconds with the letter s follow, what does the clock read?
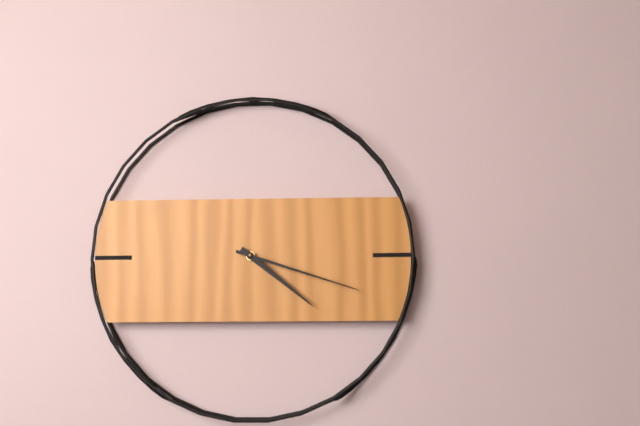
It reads 4h18
